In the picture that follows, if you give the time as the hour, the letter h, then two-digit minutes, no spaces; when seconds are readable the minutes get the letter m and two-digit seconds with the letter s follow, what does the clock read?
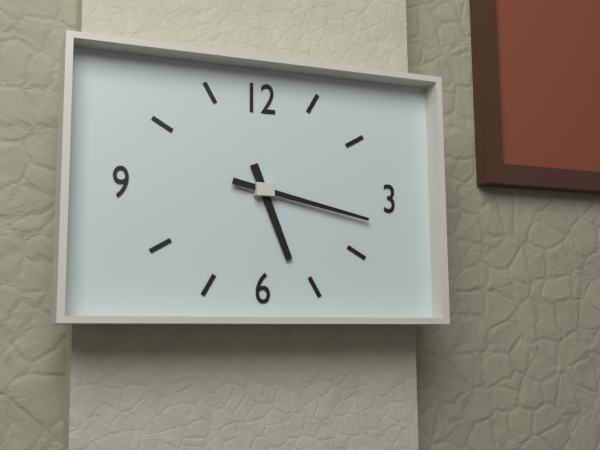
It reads 5h17
